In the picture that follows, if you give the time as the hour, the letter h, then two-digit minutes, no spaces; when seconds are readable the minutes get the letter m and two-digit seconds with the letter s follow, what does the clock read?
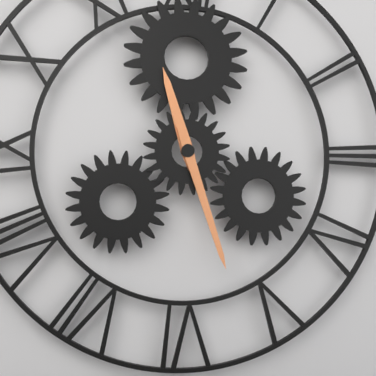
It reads 11h27
